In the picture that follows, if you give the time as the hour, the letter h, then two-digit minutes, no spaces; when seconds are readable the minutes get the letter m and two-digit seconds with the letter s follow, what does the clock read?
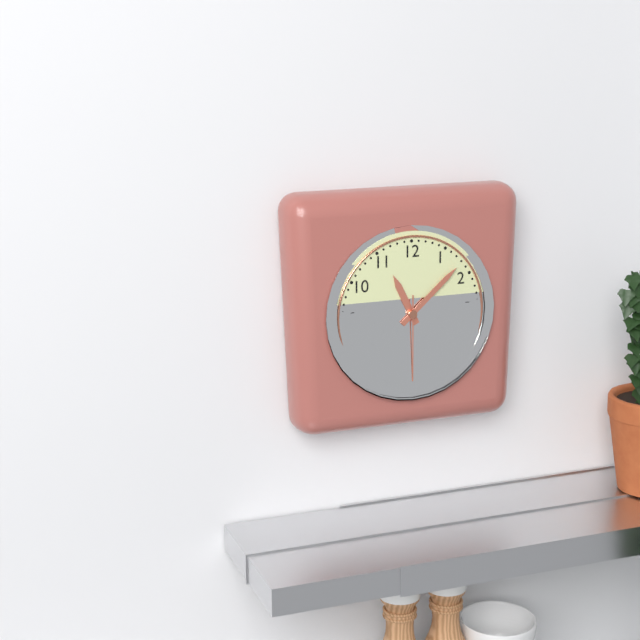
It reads 11h08m30s
